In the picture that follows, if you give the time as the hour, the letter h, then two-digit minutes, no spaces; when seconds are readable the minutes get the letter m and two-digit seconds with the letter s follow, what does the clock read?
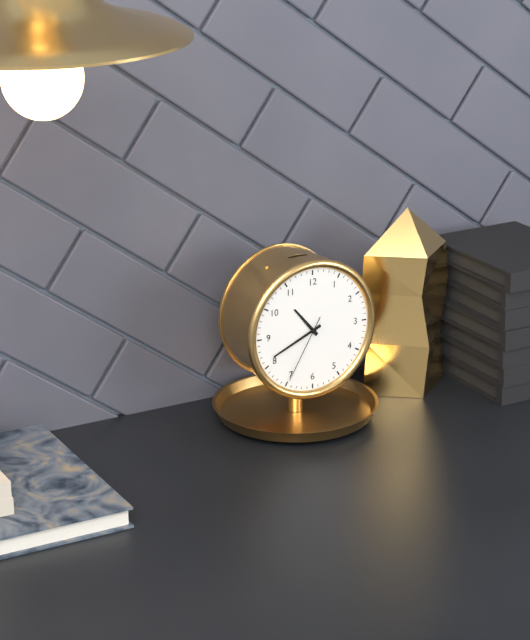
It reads 10h41m35s
